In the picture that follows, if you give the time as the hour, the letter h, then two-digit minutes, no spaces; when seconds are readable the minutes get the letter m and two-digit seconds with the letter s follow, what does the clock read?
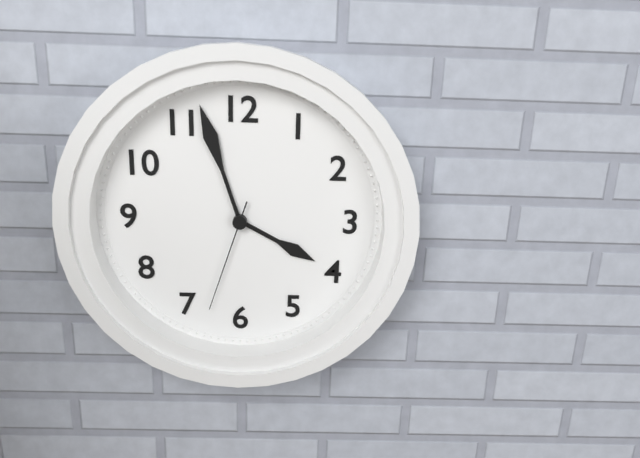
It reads 3h57m33s
